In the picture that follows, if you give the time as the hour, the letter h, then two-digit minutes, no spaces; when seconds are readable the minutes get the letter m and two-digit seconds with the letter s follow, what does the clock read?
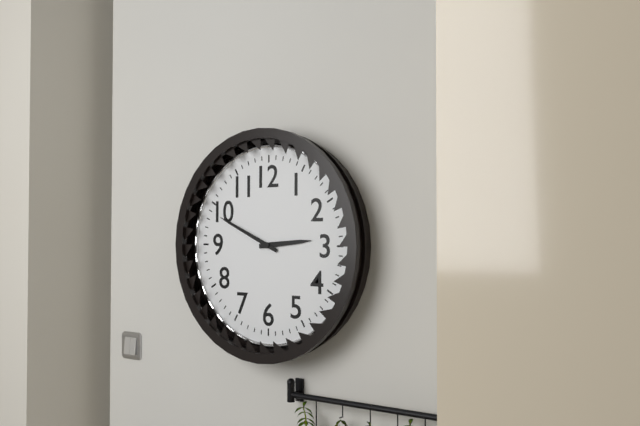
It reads 2h49
